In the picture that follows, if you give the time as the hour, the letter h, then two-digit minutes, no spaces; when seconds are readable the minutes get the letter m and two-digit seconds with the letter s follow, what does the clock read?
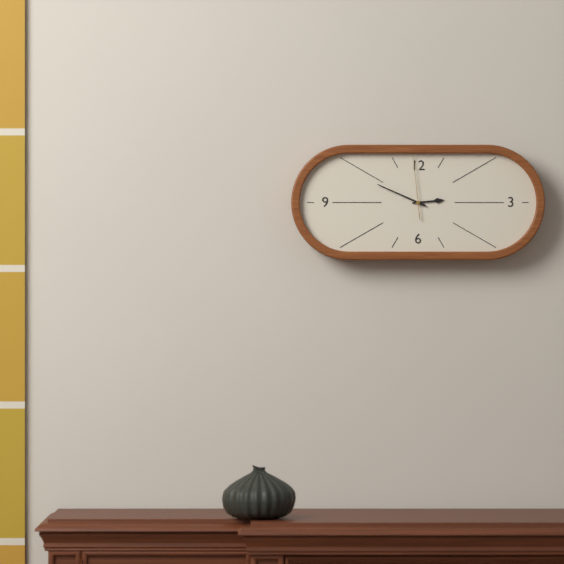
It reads 2h49m59s
